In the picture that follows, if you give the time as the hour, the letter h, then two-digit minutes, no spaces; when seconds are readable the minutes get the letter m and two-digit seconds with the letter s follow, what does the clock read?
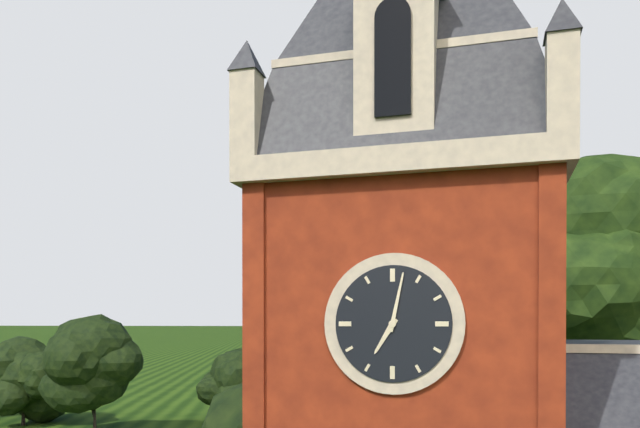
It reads 7h02
